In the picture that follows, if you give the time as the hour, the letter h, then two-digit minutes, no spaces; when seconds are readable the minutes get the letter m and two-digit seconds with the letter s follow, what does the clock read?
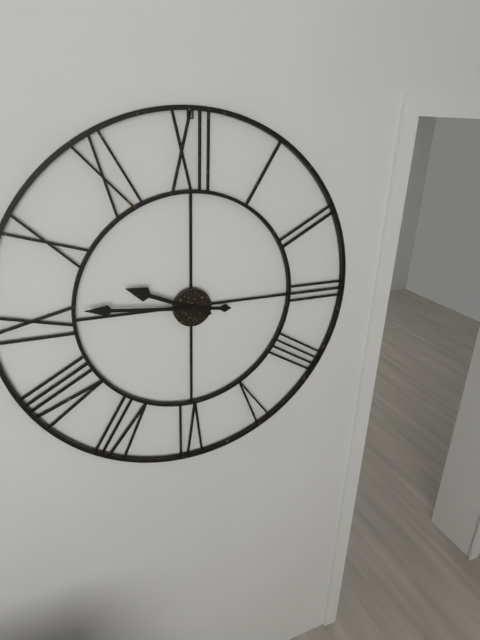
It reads 9h46
